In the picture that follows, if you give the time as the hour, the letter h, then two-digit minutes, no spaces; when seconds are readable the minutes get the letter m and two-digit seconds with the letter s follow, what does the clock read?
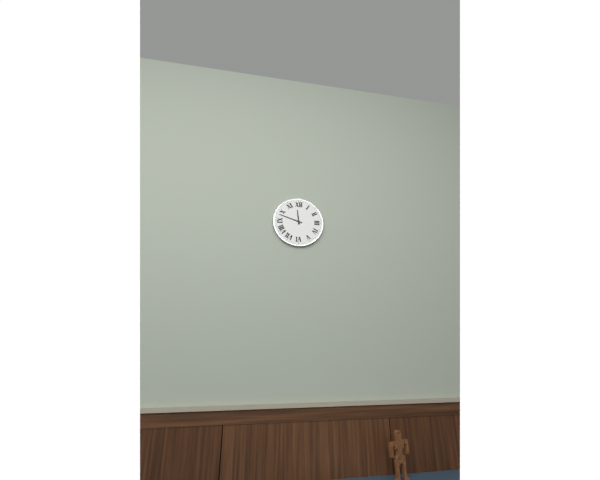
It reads 11h48
